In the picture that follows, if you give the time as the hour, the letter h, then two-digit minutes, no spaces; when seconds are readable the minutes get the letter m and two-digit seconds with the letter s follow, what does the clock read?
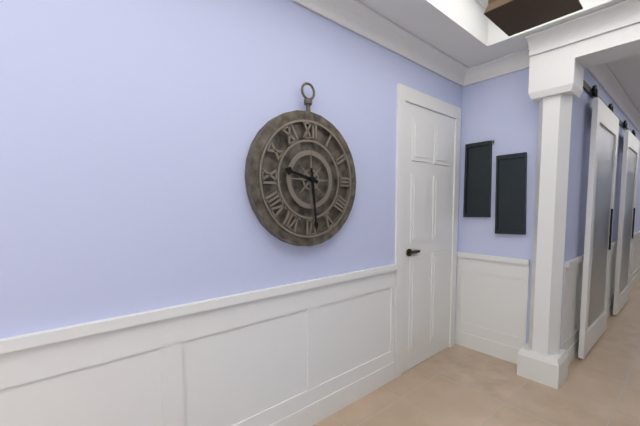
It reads 9h29
